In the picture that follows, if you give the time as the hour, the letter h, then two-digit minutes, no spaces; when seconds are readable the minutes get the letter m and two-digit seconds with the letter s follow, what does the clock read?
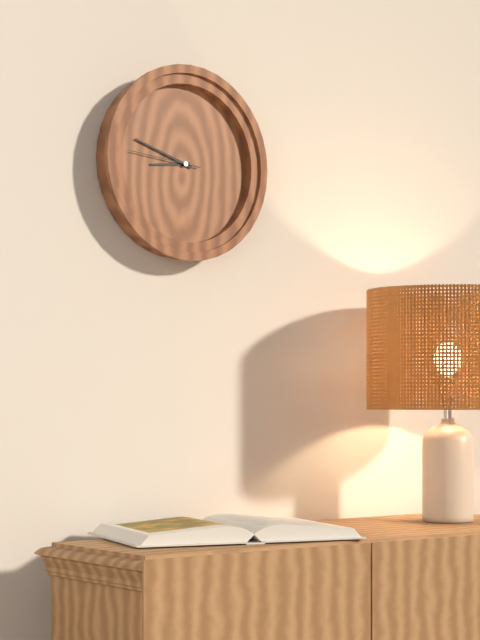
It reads 8h48m46s
